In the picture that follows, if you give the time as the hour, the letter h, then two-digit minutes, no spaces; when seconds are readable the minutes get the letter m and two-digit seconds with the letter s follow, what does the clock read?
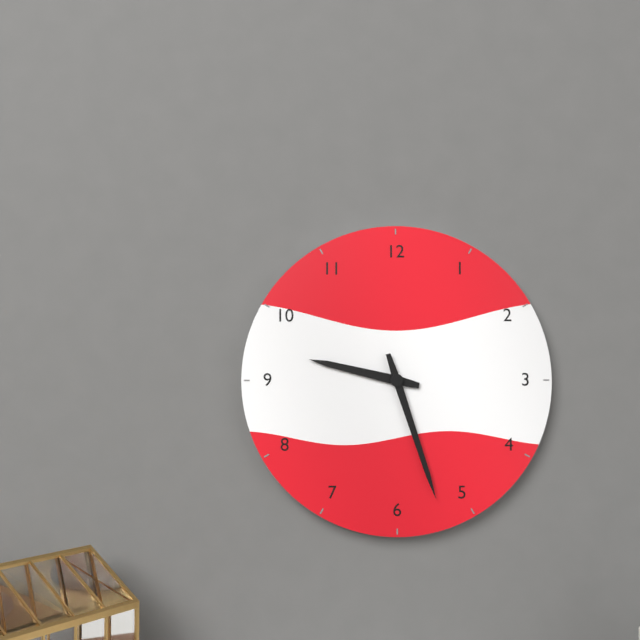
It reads 9h27
